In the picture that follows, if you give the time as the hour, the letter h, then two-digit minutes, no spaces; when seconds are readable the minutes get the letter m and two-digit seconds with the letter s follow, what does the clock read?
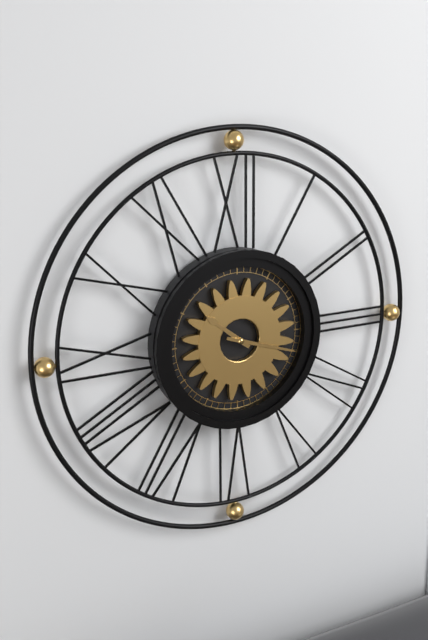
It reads 10h18
